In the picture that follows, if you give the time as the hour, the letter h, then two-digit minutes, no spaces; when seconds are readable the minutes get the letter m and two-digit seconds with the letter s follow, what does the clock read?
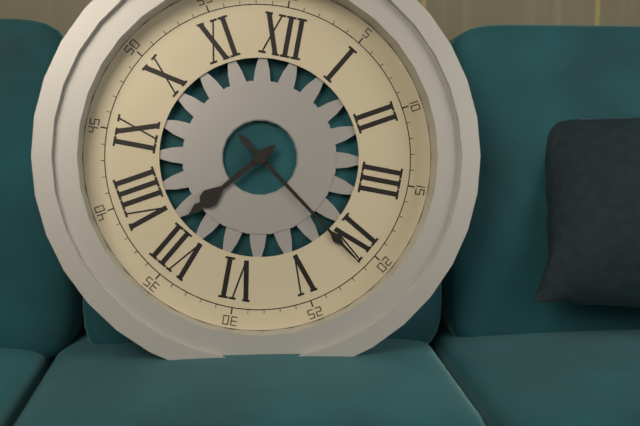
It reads 7h21
